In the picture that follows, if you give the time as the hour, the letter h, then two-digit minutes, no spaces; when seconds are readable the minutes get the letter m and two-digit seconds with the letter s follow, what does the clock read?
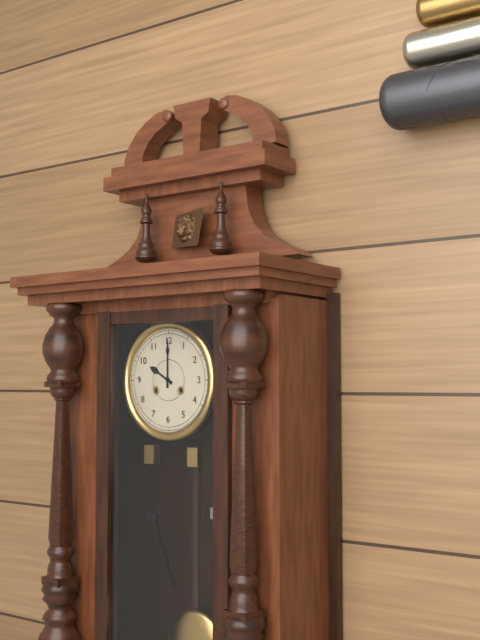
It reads 10h00
